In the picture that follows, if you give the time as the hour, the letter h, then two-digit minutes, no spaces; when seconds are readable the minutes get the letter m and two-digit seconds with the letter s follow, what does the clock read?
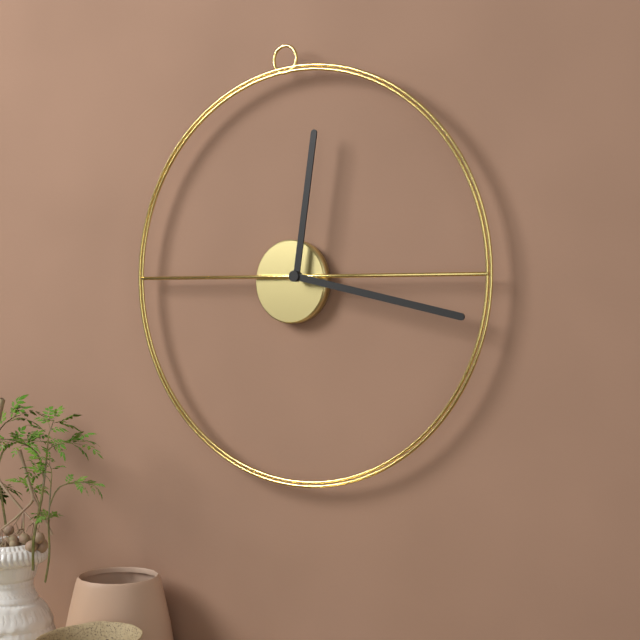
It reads 12h17
